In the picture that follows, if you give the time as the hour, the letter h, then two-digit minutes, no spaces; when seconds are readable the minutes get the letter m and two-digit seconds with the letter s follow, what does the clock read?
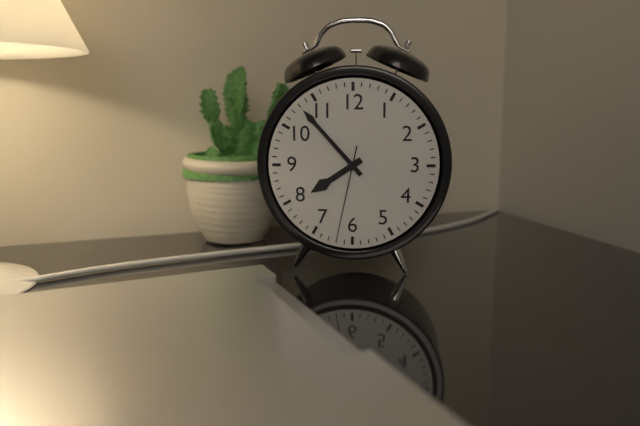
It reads 7h53m32s
